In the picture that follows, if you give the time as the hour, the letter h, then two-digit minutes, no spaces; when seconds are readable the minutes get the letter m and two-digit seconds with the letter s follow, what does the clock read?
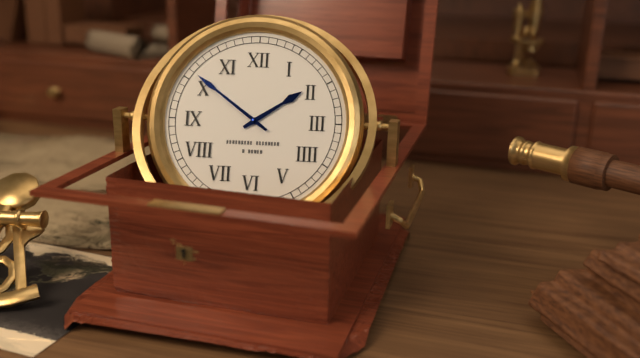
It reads 1h51
